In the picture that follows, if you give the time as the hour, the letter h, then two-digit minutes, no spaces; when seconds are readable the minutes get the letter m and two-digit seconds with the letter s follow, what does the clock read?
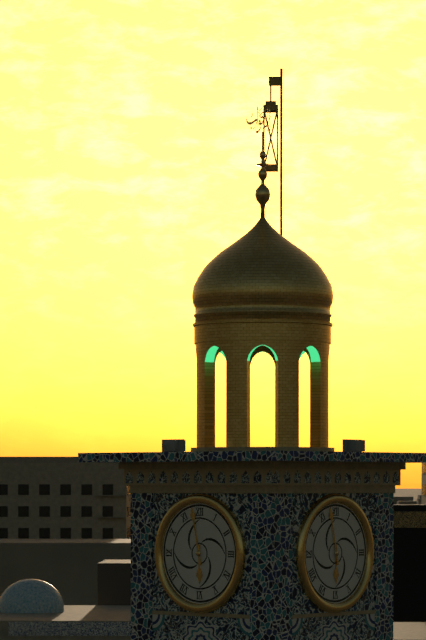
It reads 5h58
